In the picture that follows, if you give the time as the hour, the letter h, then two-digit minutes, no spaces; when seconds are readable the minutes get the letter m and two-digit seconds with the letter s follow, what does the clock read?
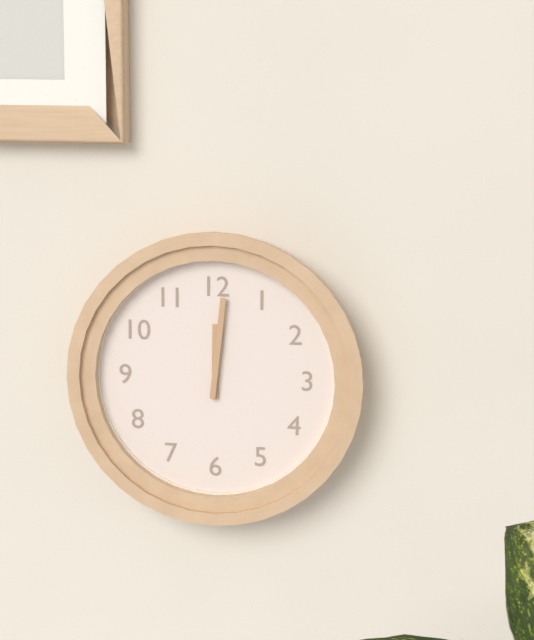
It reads 12h01
